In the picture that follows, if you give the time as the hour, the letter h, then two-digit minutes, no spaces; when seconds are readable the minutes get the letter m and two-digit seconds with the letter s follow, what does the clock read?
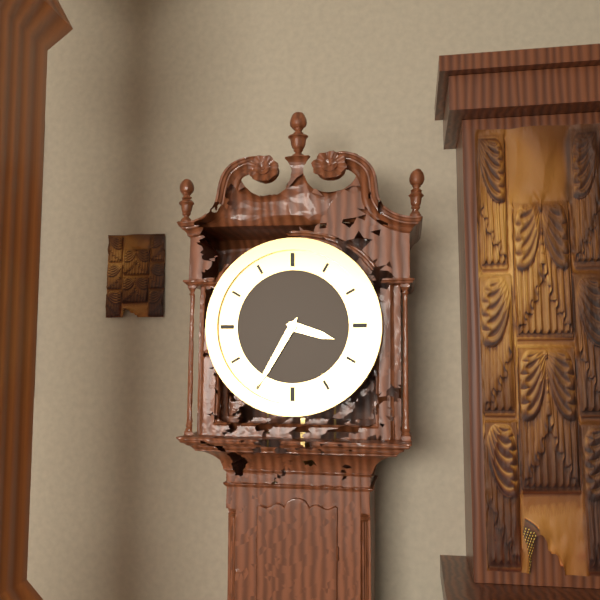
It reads 3h35
